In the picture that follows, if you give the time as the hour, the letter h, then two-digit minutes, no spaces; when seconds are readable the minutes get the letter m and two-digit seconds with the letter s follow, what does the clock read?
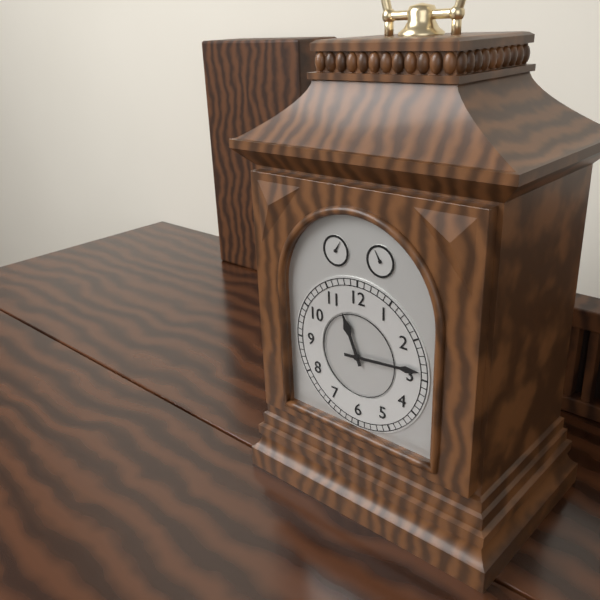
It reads 11h14
